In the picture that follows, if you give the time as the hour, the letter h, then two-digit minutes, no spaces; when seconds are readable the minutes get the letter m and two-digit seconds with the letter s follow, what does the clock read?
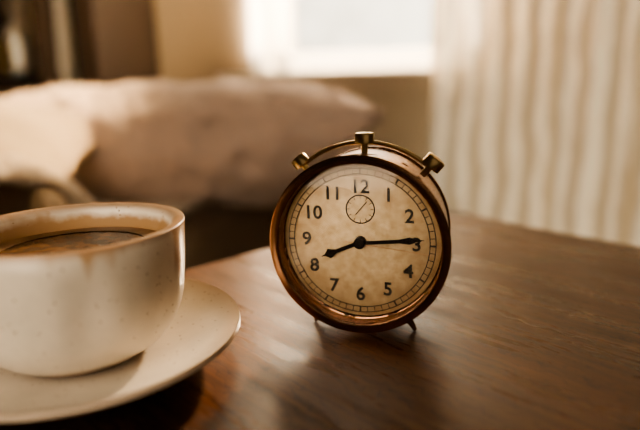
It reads 8h14m16s
